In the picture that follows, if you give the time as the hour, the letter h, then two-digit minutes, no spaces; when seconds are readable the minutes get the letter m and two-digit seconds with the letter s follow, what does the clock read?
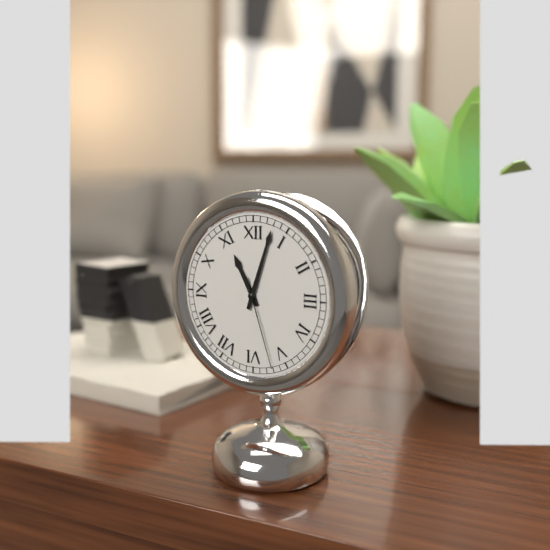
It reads 11h03m27s
